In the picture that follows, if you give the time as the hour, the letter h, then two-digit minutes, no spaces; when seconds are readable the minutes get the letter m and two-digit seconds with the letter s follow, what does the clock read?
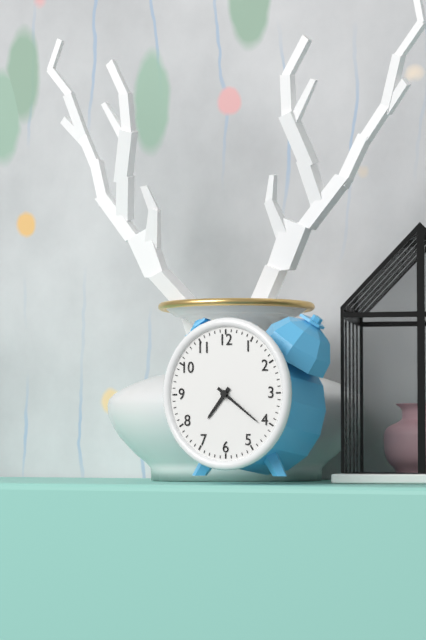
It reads 7h21
